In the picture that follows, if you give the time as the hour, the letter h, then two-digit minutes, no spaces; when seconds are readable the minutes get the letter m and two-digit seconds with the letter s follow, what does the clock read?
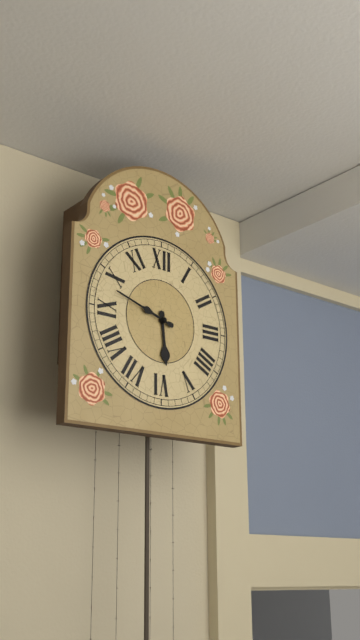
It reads 5h48
